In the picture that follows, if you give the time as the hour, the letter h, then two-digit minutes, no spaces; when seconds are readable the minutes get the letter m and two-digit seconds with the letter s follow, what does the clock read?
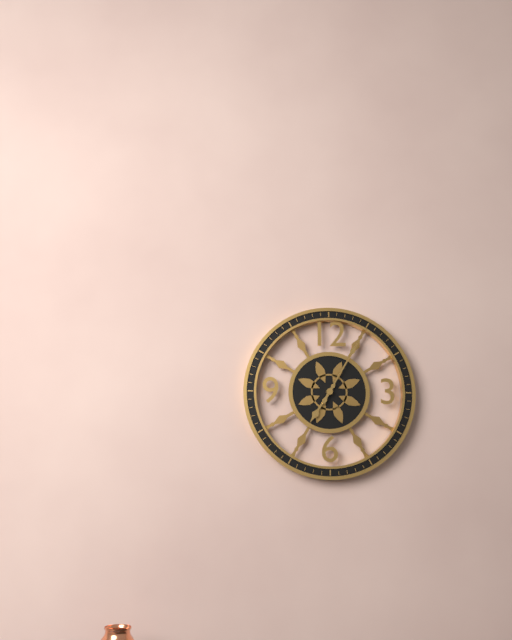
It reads 7h05
